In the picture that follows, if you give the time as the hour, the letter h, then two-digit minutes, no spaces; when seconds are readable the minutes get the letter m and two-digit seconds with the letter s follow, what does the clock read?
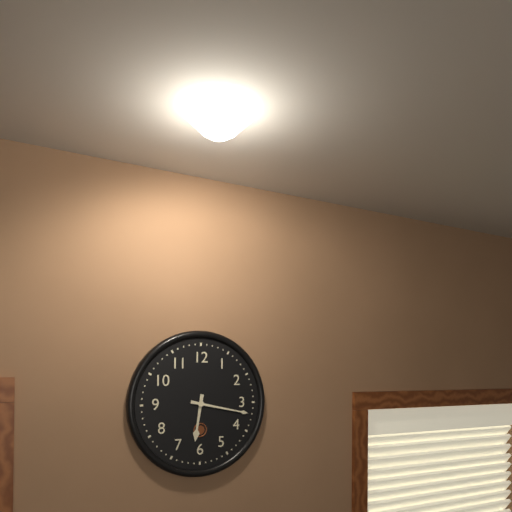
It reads 6h17
